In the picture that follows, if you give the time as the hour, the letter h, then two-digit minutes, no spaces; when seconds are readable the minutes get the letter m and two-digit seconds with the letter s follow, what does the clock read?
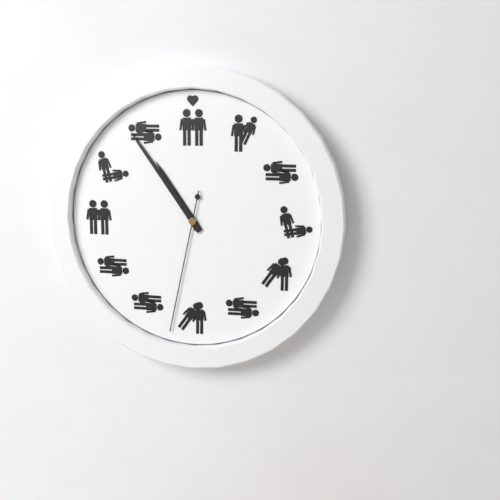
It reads 10h54m32s
